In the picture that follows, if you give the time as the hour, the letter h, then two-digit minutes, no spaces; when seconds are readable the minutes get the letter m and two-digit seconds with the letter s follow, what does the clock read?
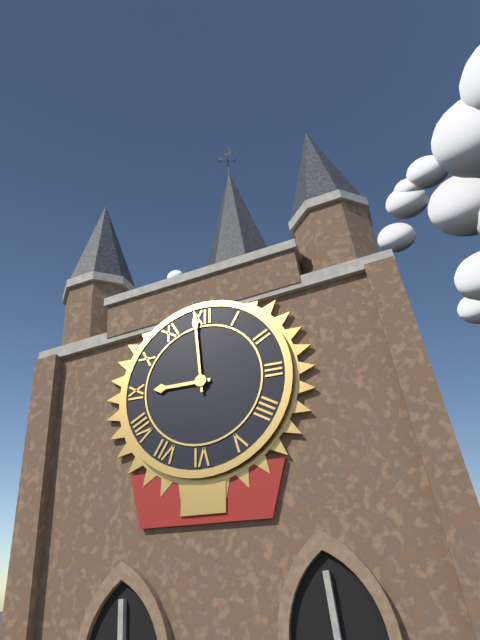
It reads 8h59
